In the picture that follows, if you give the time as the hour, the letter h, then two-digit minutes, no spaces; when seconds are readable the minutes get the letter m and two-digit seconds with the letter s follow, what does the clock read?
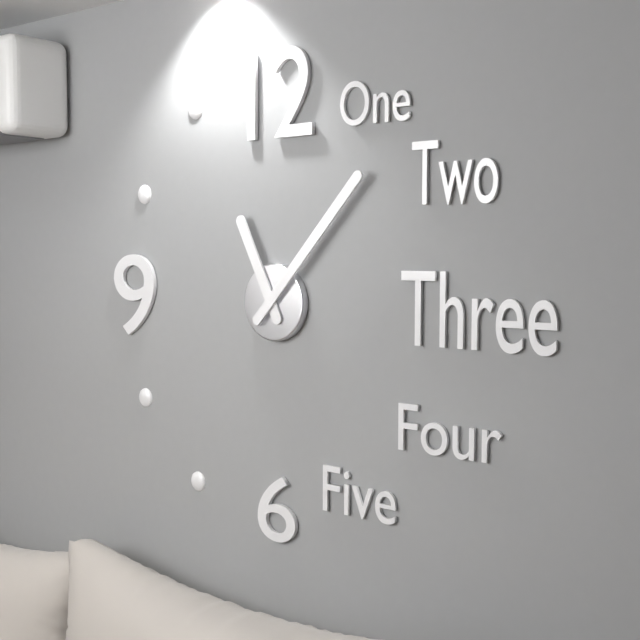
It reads 11h07
